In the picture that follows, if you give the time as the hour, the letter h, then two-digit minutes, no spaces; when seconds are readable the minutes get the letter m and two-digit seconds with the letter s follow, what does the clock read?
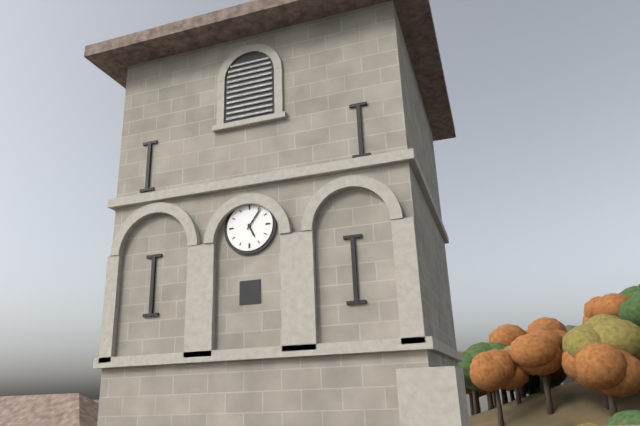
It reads 5h06
